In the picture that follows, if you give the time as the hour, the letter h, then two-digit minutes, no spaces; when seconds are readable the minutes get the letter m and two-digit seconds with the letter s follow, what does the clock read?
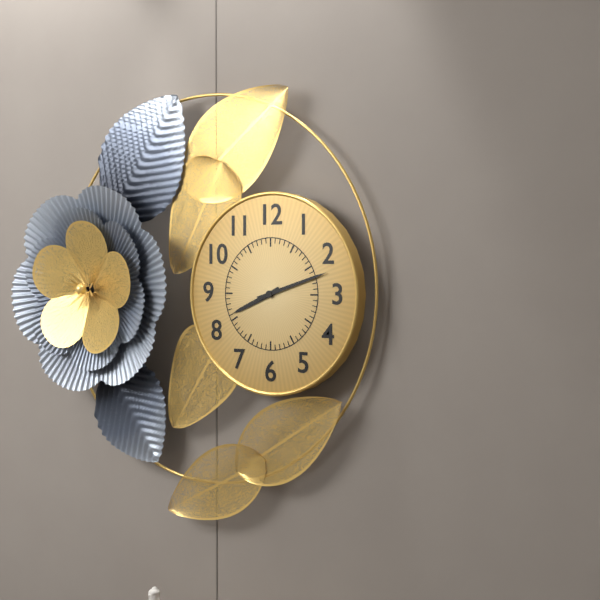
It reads 8h12
